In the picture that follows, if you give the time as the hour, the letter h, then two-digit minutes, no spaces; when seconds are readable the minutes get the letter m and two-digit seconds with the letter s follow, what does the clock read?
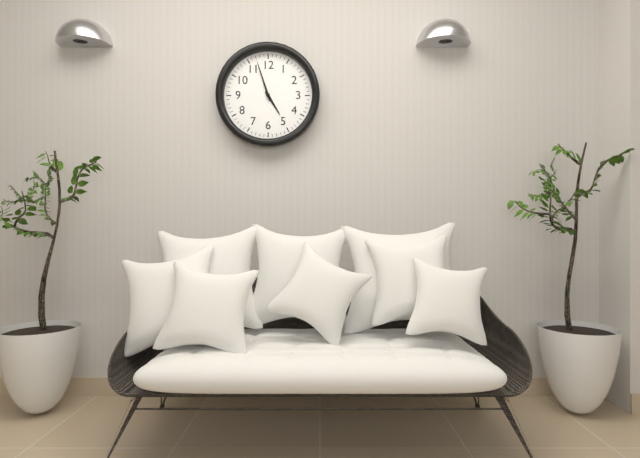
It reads 4h57
